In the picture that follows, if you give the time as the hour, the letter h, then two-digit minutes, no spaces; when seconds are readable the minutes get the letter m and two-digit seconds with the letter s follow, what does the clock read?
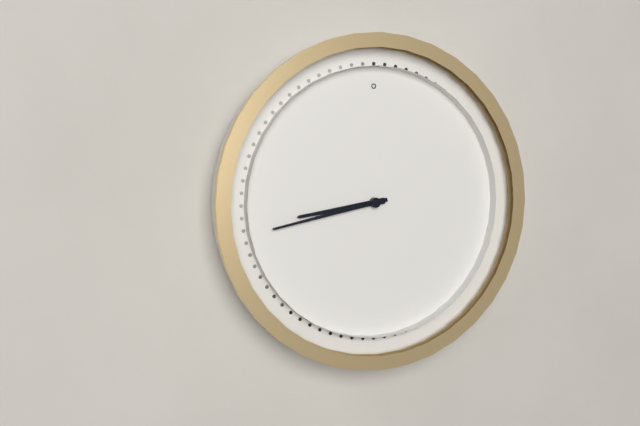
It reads 8h43
